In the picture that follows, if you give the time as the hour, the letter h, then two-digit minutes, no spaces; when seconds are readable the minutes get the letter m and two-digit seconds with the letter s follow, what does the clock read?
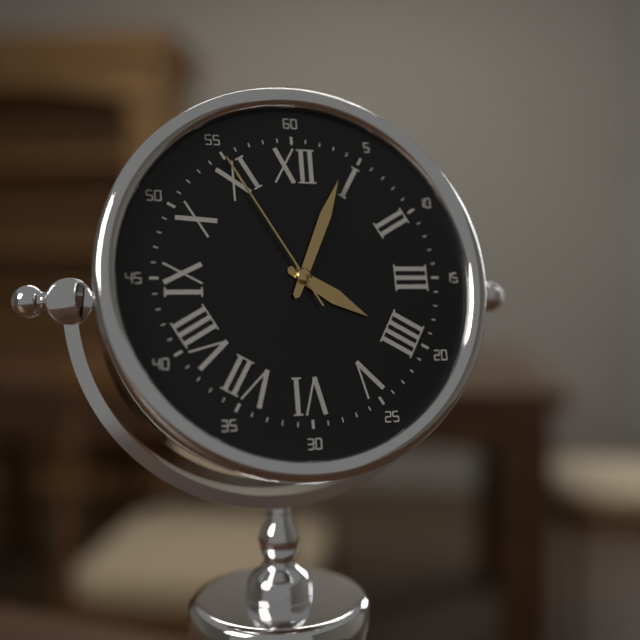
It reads 4h04m55s
